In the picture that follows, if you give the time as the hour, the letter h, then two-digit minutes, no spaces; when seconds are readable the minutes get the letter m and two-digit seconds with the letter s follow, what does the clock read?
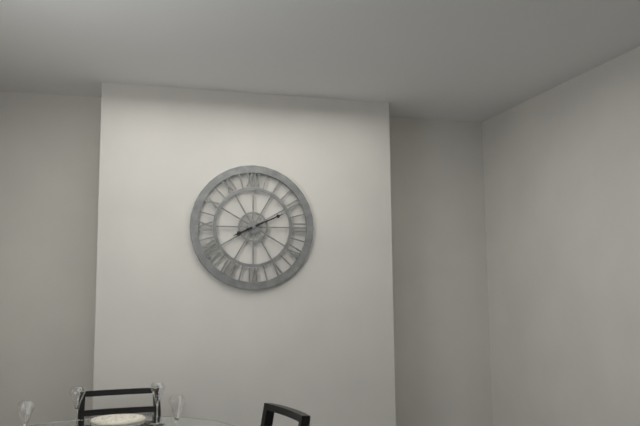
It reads 8h11
